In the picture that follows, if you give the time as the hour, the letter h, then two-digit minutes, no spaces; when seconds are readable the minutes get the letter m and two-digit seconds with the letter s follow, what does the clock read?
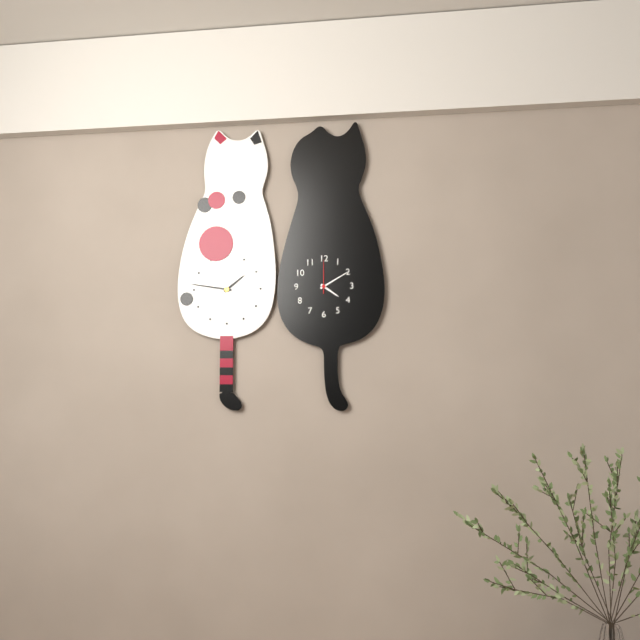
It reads 4h10
